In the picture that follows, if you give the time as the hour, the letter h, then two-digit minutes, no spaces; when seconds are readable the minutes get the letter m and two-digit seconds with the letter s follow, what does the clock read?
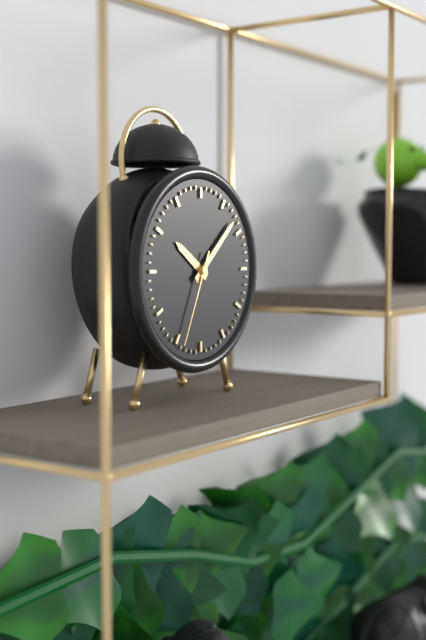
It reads 10h08m34s
